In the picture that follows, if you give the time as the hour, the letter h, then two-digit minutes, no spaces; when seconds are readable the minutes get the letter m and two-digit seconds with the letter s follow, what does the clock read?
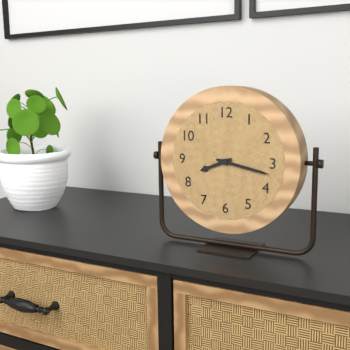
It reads 8h17
